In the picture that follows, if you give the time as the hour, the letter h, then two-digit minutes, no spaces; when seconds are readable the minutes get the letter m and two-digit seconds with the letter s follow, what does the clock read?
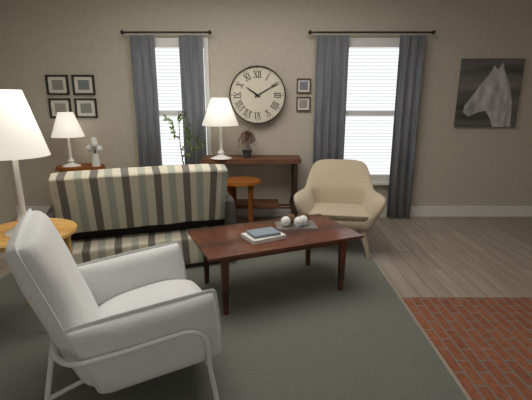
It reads 10h10
